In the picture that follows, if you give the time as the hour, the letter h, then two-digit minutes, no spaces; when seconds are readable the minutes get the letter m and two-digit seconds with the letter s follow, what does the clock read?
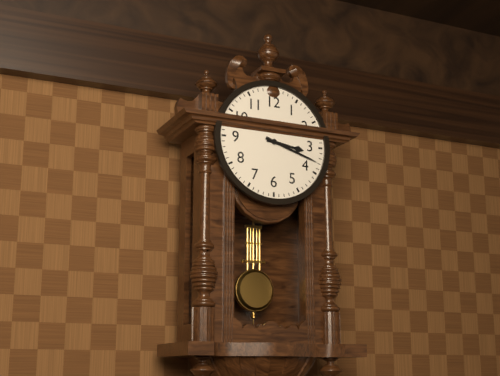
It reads 3h18
